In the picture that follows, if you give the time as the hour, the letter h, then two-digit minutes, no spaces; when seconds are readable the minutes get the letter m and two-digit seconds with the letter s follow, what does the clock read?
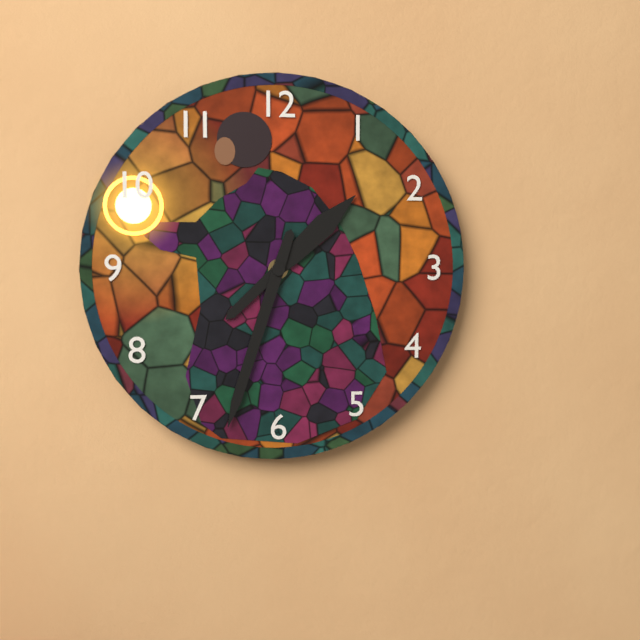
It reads 1h33
